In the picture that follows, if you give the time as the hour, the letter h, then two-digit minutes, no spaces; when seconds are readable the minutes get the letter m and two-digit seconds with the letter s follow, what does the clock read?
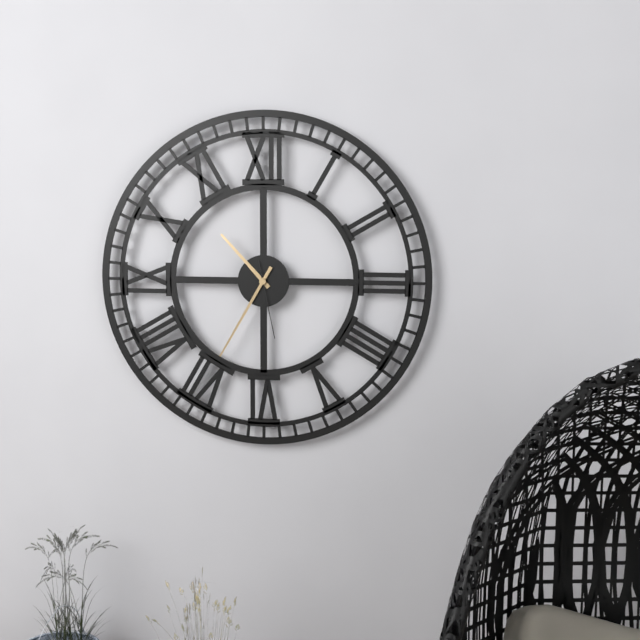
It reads 10h35m28s
